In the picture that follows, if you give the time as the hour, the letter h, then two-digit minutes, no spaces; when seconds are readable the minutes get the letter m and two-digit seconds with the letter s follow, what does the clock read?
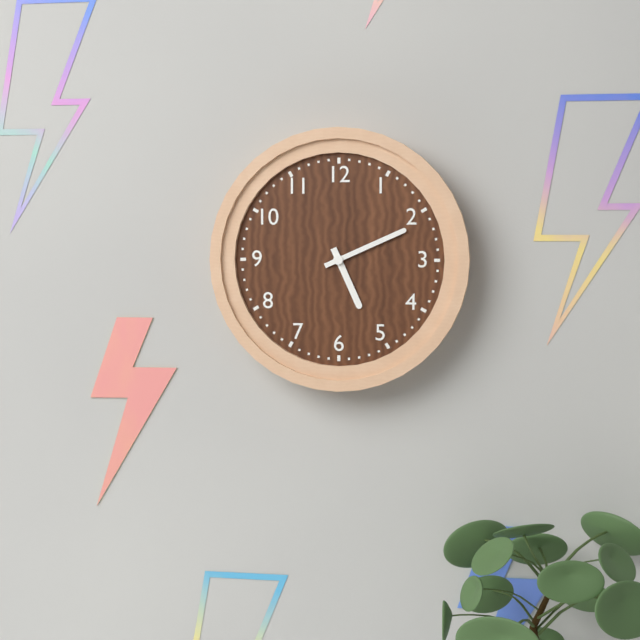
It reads 5h11
